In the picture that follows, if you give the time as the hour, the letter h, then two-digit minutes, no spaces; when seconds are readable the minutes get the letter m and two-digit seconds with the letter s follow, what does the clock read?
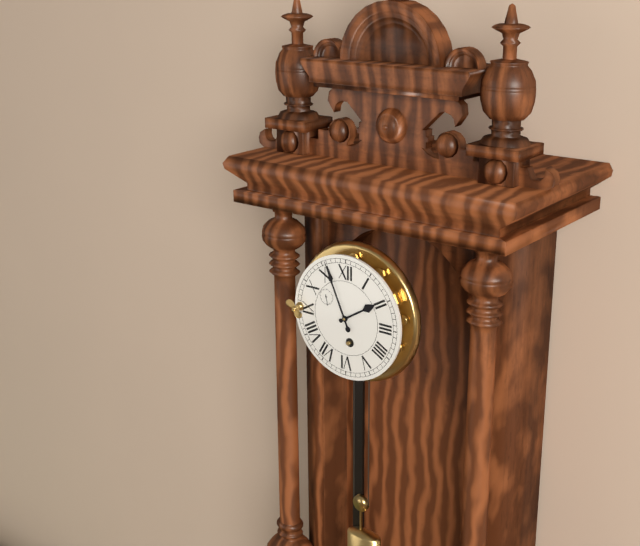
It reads 1h56
